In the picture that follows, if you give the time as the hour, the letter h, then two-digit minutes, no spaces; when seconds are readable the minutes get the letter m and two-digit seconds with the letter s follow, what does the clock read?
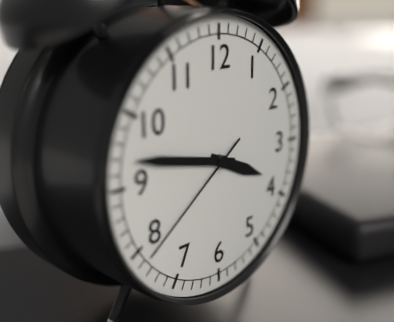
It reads 3h47m39s
